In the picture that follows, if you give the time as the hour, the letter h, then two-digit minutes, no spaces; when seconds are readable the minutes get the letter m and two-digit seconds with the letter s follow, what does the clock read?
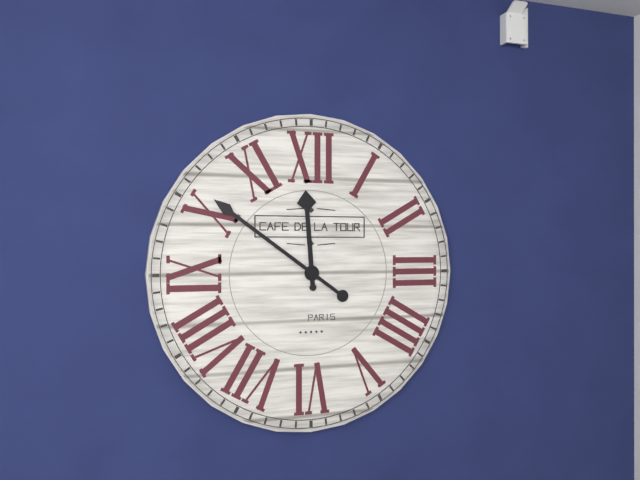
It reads 11h51
